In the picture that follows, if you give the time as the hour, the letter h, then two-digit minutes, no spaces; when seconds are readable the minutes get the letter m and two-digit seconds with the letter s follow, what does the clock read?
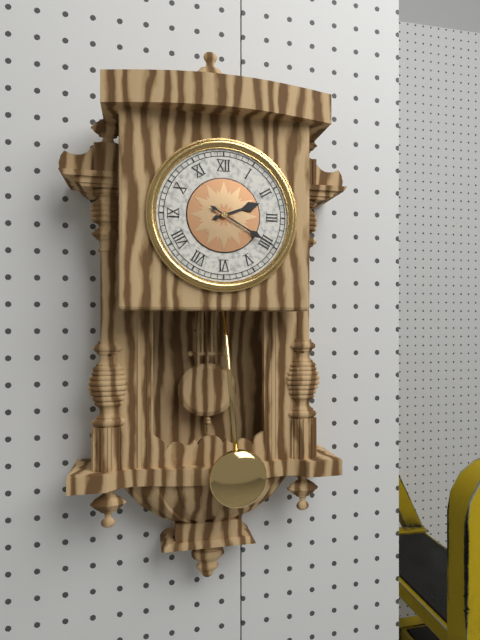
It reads 2h20
